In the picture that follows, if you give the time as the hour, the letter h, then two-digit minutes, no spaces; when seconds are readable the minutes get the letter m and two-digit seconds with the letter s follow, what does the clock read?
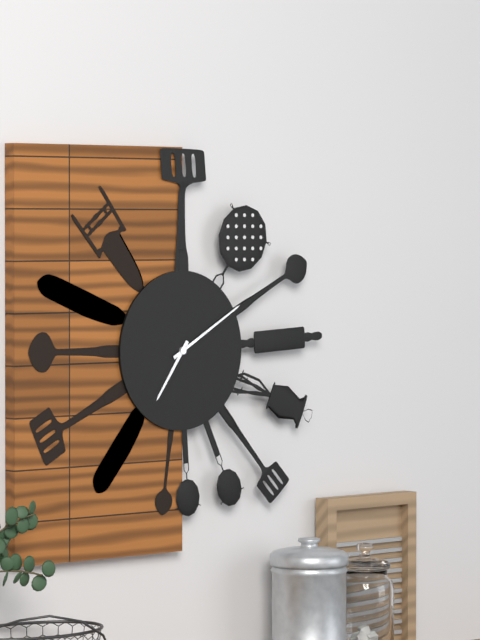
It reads 7h10
